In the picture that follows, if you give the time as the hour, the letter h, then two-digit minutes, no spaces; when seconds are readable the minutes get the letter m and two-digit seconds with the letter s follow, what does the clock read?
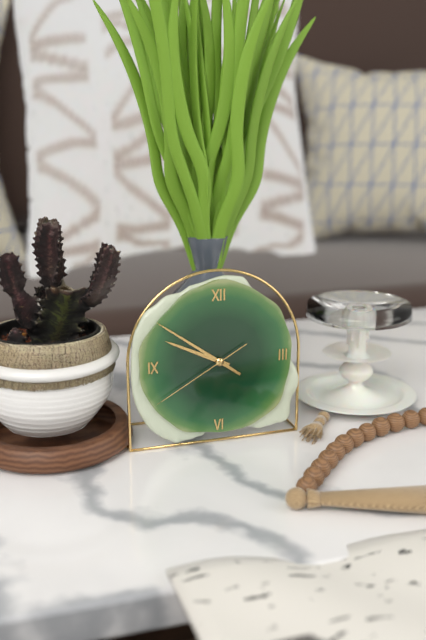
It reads 9h51m40s
